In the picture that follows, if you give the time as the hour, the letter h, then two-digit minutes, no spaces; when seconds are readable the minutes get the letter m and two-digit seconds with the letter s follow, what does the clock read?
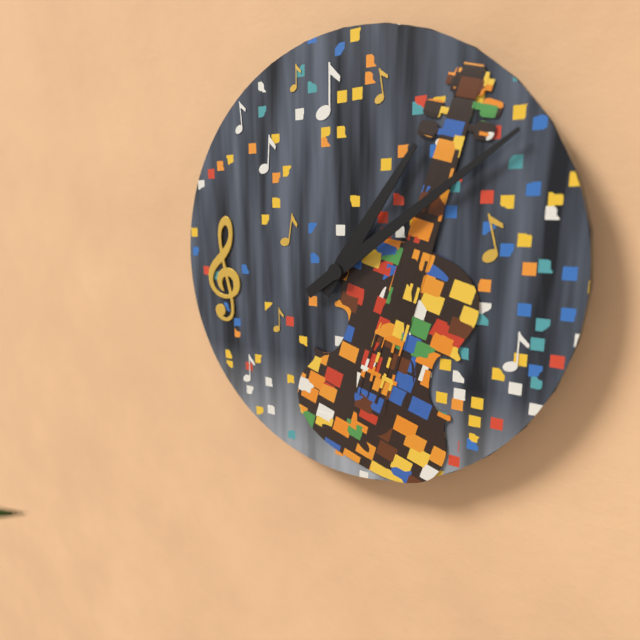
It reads 1h09
